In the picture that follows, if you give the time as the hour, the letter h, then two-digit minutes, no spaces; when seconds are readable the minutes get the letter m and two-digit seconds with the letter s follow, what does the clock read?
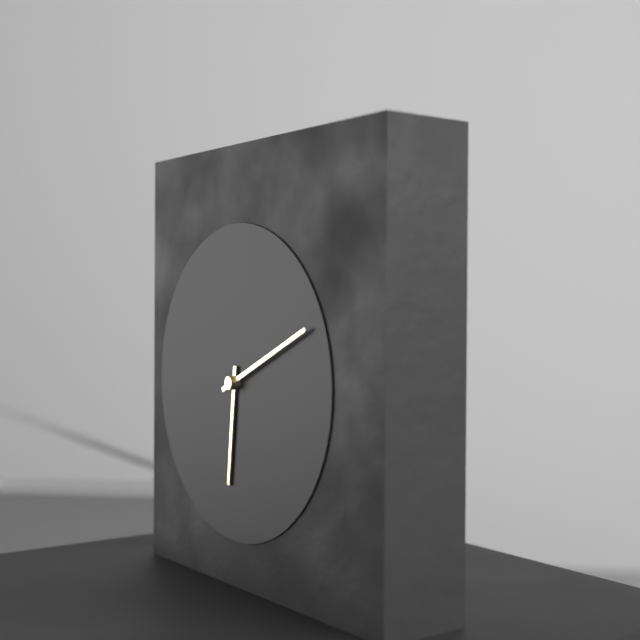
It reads 6h11
